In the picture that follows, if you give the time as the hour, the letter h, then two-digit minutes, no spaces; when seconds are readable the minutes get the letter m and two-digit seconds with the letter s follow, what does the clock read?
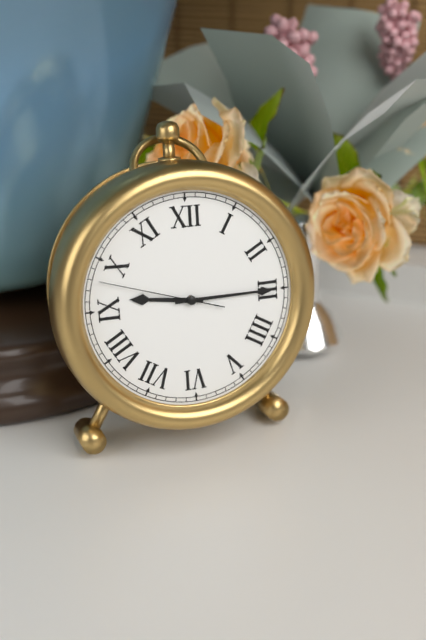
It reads 9h15m48s
